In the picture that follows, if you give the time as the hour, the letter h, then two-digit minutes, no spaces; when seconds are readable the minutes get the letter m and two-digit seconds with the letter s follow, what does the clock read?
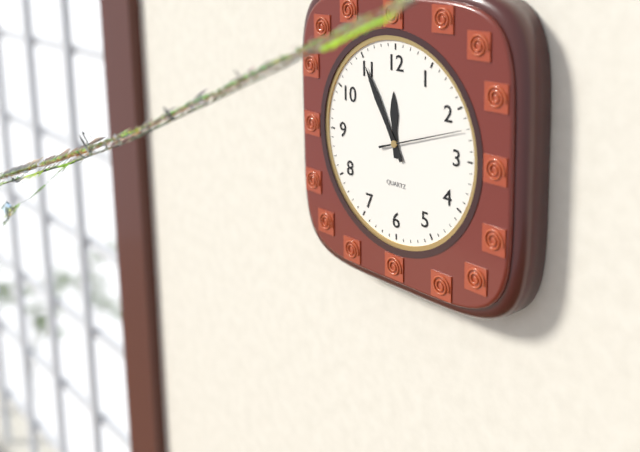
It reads 11h55m12s
